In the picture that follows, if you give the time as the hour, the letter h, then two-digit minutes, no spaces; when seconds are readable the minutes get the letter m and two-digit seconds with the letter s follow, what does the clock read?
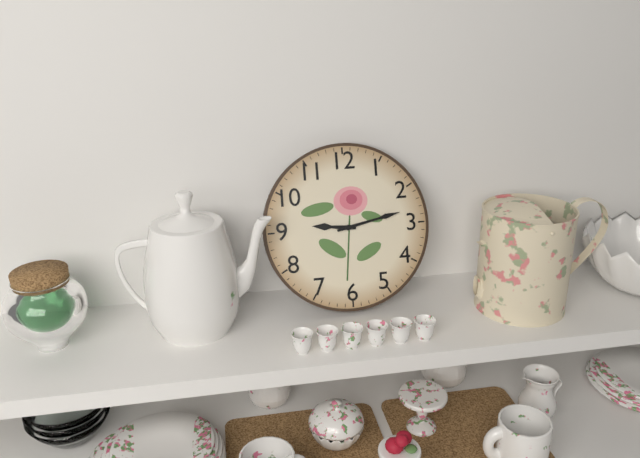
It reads 9h13
